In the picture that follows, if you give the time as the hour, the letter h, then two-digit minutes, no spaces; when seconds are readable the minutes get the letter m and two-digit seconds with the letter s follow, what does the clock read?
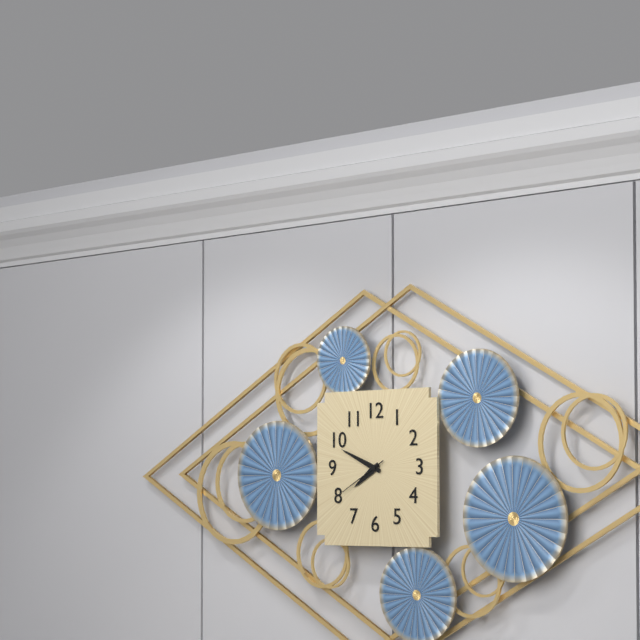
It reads 7h49
